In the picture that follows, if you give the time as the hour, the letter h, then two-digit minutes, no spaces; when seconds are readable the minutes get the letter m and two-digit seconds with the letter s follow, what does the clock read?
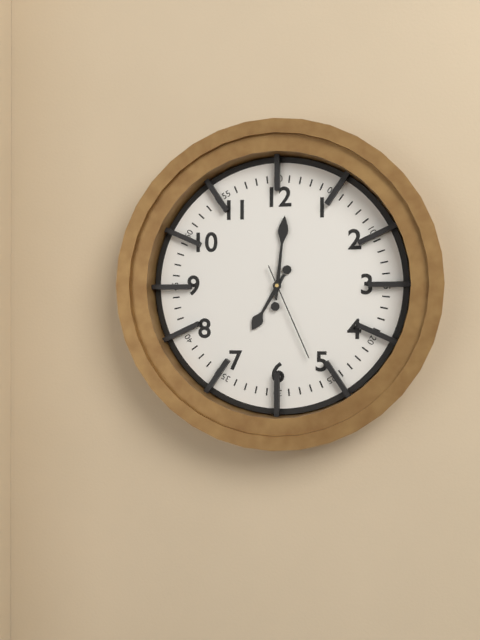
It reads 7h01m26s
